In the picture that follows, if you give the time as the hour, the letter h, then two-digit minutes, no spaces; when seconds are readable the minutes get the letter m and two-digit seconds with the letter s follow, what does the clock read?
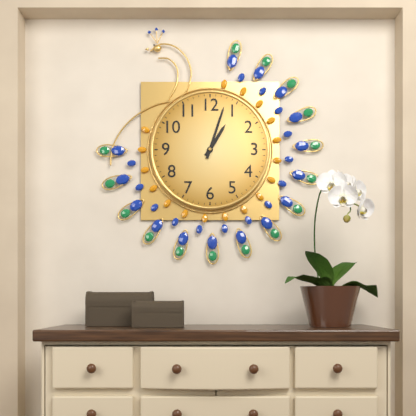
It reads 1h03
